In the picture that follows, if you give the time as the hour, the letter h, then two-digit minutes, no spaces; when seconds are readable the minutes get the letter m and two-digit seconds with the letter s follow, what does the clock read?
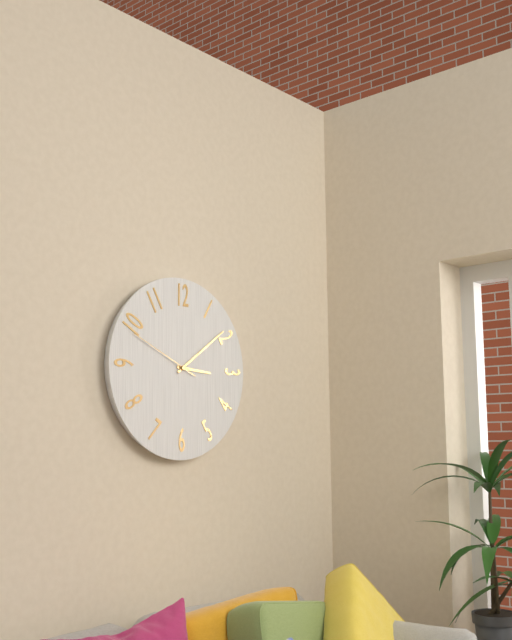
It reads 3h09m49s
